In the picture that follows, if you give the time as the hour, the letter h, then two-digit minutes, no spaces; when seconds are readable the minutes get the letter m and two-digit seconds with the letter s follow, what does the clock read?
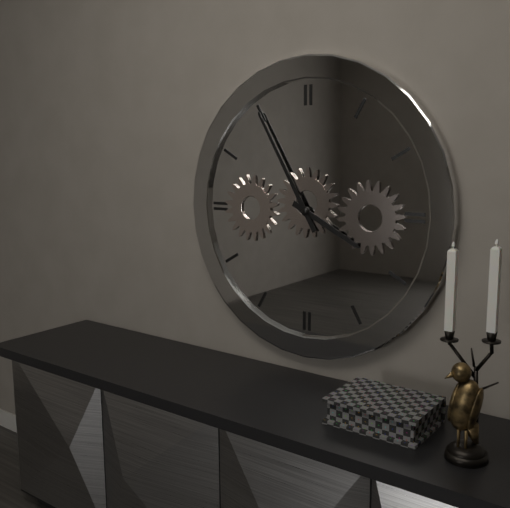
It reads 3h55
